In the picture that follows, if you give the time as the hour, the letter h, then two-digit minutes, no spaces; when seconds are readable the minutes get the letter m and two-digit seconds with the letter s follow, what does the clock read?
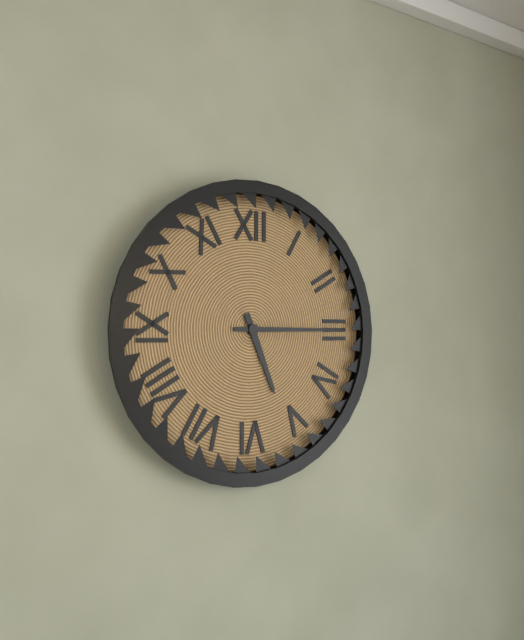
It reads 5h15
